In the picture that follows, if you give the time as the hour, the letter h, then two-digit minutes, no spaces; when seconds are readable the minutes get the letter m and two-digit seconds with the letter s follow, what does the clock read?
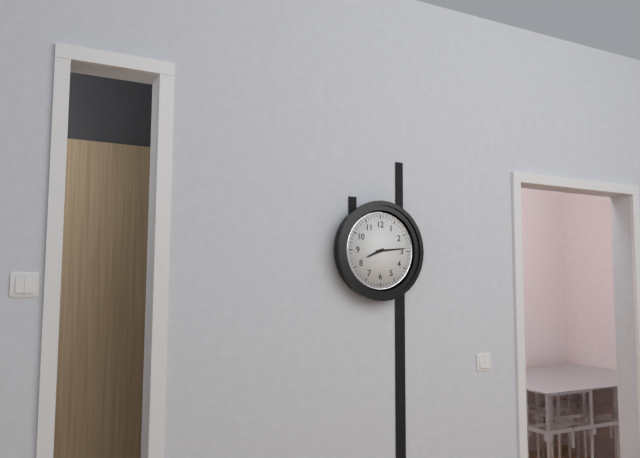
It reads 8h14
